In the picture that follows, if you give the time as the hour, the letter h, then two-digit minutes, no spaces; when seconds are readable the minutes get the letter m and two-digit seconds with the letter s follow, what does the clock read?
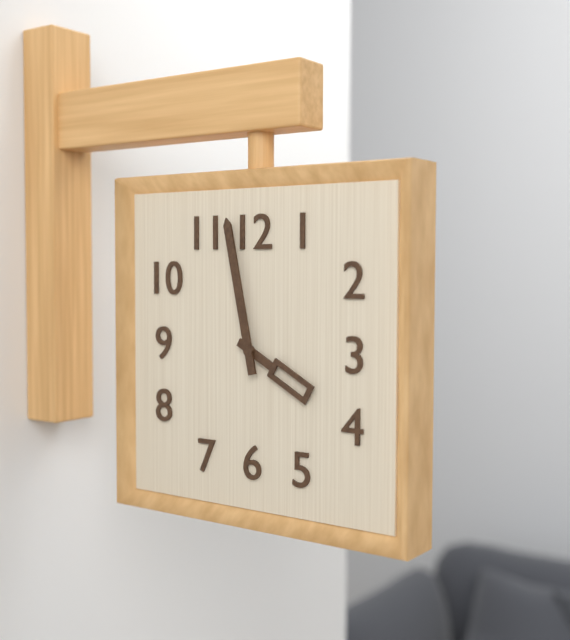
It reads 3h58
